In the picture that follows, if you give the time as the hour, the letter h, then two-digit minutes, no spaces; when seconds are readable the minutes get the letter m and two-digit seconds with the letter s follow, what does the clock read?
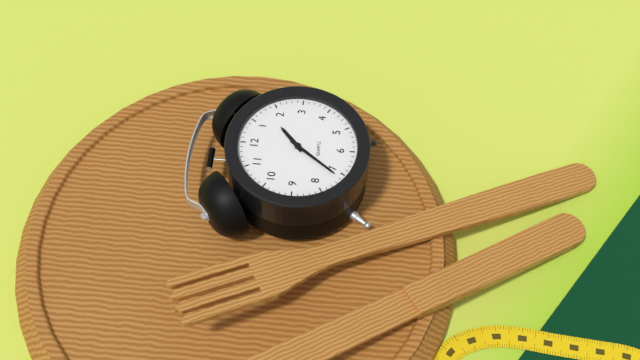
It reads 1h36
